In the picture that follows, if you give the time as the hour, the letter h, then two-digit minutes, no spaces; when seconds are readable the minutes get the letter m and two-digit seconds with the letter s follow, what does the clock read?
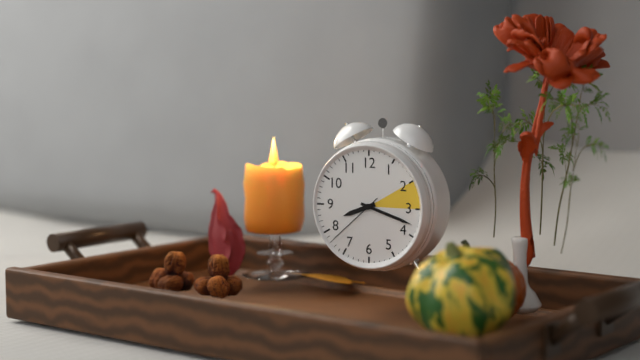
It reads 8h18m38s
